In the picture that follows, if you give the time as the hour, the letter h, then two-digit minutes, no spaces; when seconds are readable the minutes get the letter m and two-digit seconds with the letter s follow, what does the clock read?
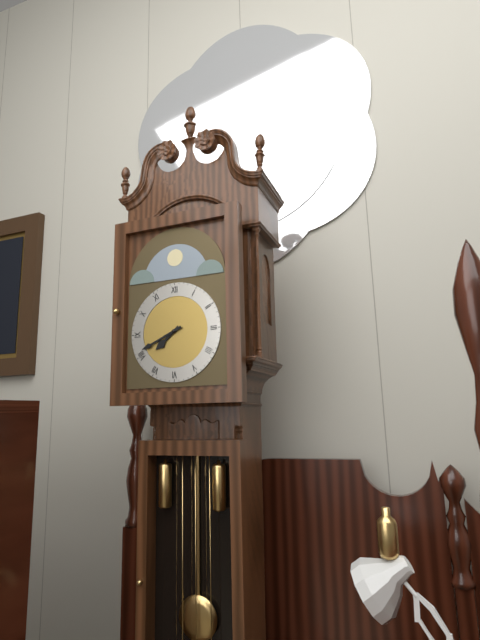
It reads 7h41
